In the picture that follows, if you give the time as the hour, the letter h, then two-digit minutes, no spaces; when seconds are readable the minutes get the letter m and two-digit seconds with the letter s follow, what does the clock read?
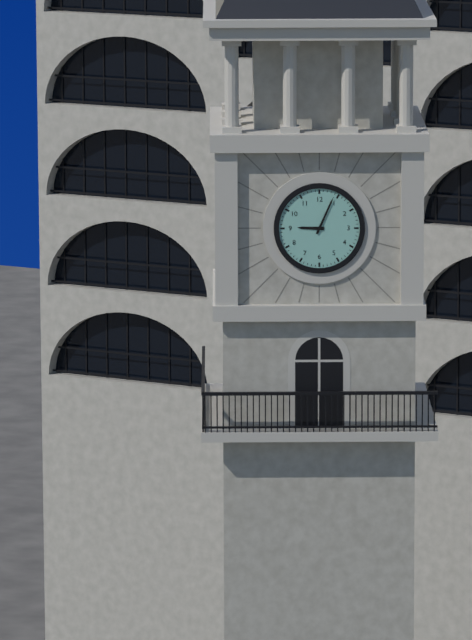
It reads 9h04
